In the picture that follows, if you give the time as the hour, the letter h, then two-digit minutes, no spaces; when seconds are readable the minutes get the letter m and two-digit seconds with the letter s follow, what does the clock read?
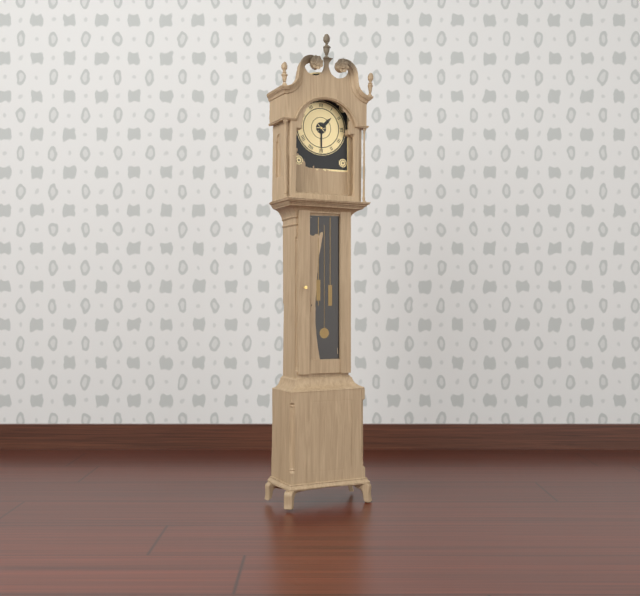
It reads 1h30
